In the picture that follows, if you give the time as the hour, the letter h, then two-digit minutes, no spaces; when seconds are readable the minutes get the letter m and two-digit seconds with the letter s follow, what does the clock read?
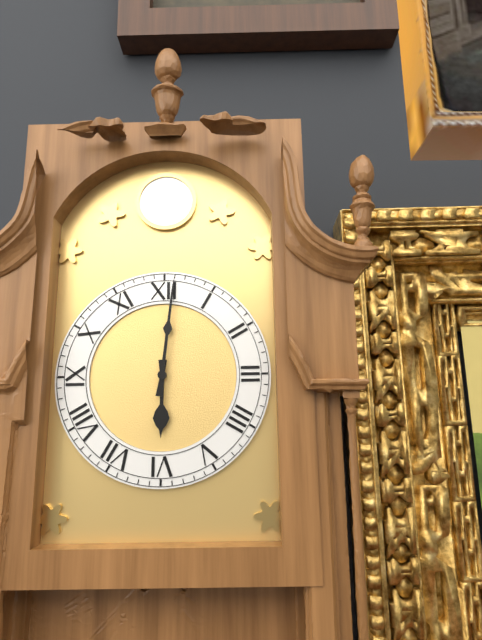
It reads 6h01
